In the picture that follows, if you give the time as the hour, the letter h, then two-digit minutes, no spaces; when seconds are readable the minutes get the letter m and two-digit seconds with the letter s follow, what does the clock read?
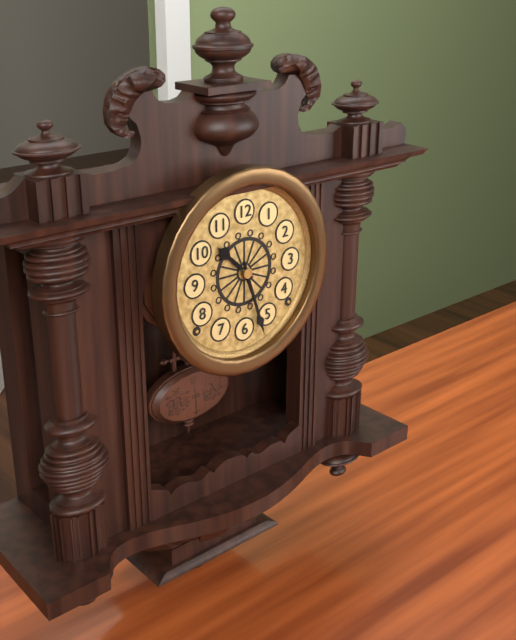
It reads 10h27
